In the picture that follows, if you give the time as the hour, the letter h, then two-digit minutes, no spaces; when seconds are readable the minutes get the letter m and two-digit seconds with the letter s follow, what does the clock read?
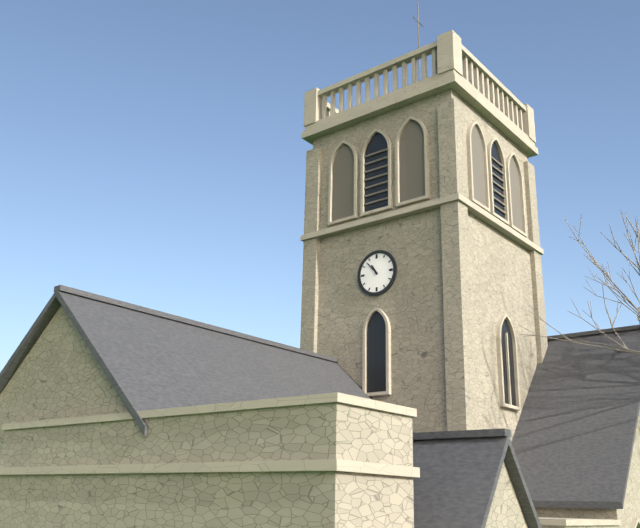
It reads 10h53
